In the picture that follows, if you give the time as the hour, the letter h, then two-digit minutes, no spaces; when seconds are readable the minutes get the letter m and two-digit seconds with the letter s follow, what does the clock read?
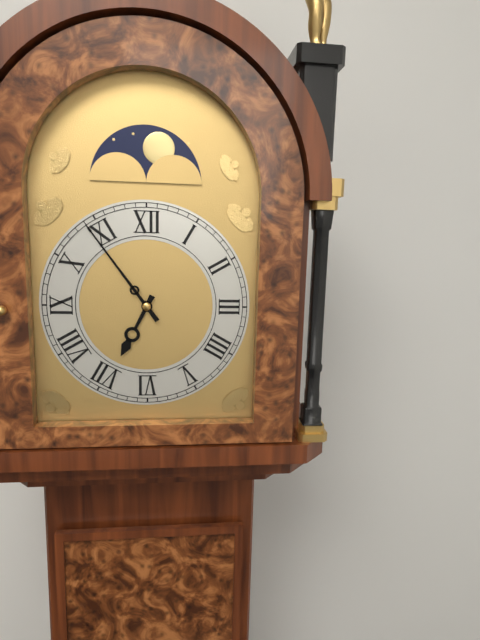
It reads 6h54
